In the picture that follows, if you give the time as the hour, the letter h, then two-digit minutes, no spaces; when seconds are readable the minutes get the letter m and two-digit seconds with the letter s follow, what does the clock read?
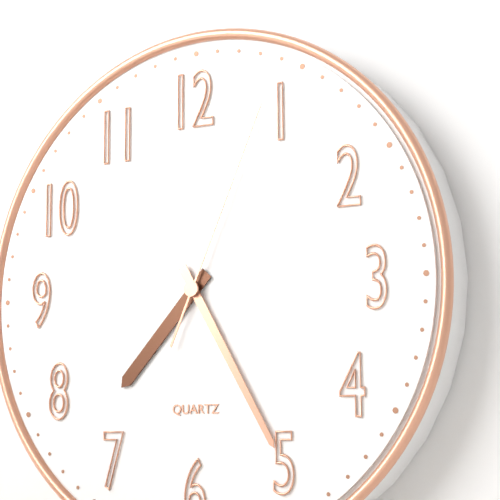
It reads 7h25m04s
